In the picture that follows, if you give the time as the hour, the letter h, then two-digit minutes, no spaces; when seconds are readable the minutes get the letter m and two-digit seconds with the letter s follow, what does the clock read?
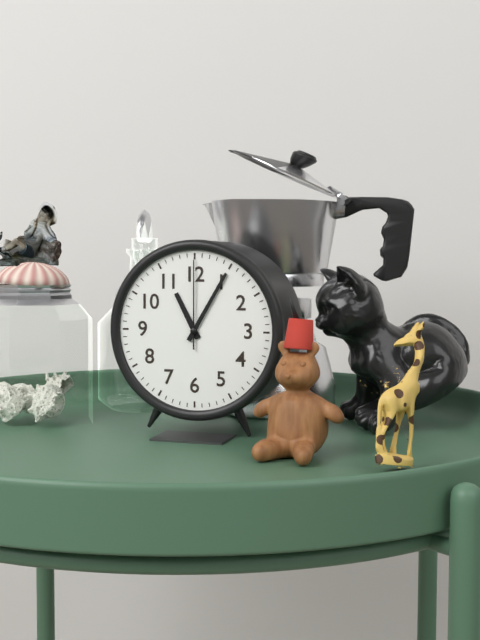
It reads 11h05m00s
